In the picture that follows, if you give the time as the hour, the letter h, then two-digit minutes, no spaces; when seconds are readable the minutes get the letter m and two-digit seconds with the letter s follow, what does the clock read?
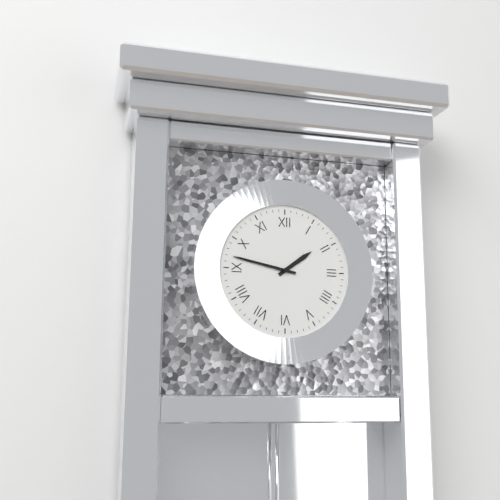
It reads 1h47
